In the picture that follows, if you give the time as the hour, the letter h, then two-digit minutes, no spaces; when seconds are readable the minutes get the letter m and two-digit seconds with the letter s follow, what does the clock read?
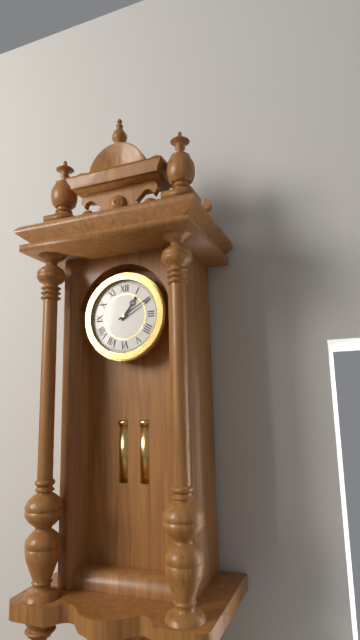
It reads 1h10
